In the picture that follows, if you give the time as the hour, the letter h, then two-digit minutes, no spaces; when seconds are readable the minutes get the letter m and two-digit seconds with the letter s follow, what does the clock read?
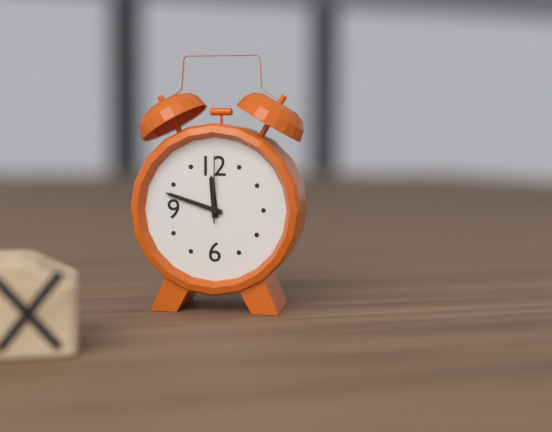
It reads 11h48m00s
